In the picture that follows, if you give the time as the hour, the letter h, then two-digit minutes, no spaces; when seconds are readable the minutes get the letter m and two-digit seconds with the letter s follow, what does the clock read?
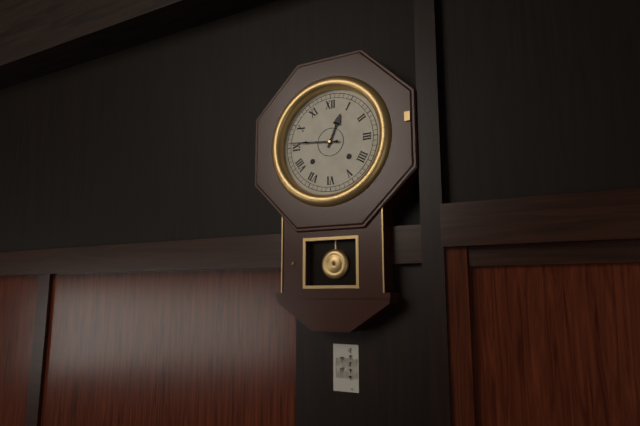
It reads 12h46
